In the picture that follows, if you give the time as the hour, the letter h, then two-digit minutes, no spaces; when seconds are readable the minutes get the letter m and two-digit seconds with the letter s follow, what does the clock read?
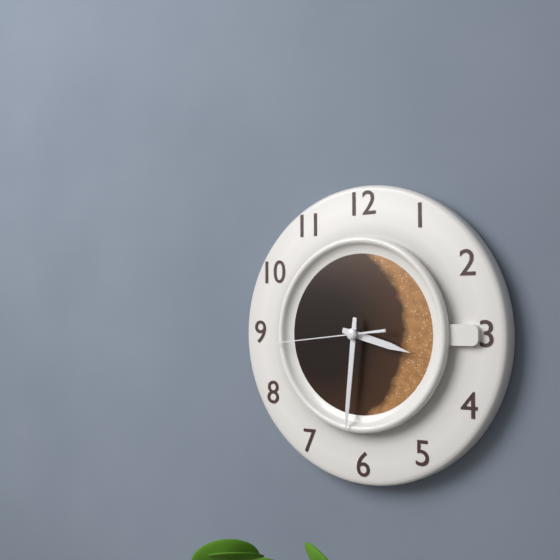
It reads 3h31m44s
